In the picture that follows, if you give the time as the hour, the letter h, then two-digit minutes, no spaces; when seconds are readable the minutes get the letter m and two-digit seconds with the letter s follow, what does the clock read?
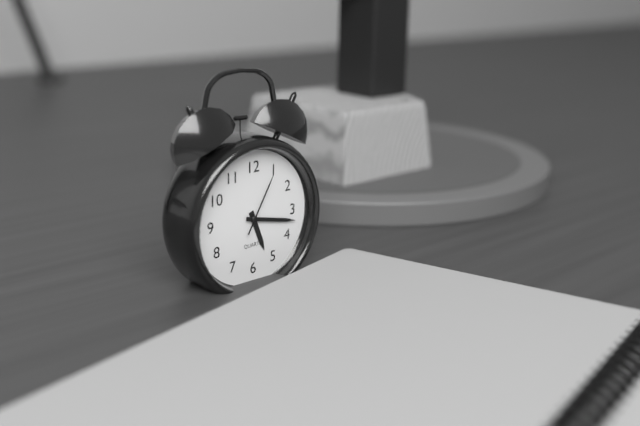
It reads 5h17m05s
